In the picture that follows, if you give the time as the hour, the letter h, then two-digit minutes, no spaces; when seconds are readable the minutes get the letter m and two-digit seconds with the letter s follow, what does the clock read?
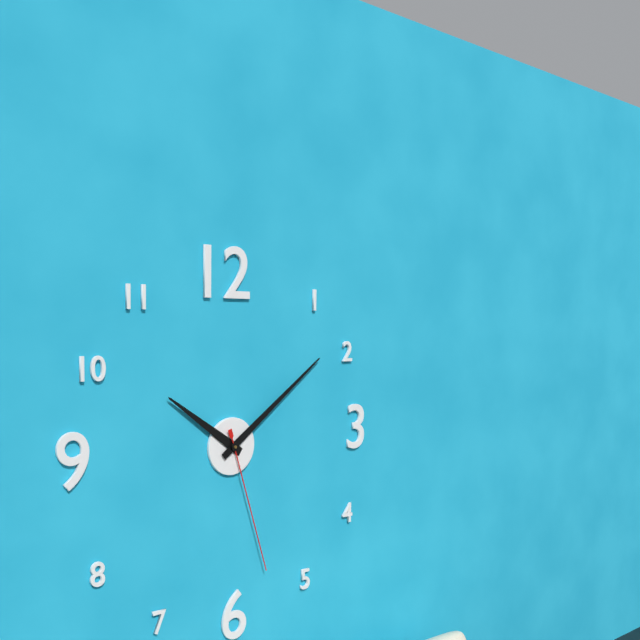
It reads 10h09m27s
